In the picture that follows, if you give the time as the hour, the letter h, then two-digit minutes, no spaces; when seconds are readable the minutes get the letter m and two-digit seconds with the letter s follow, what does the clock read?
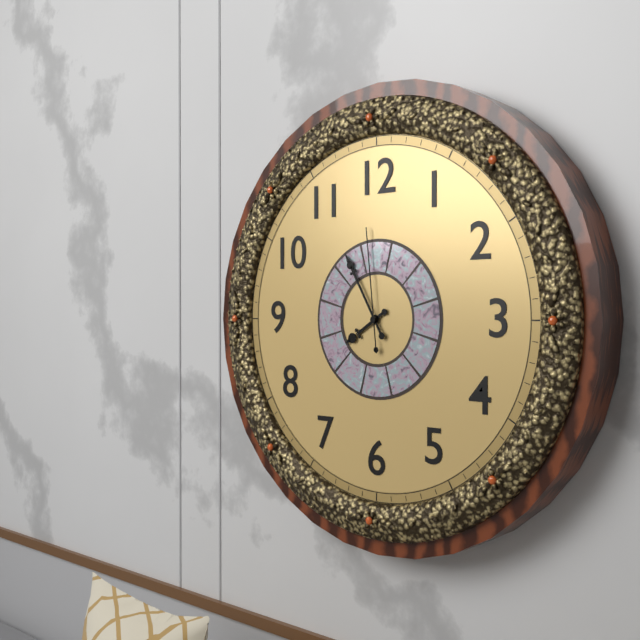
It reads 7h55m59s
